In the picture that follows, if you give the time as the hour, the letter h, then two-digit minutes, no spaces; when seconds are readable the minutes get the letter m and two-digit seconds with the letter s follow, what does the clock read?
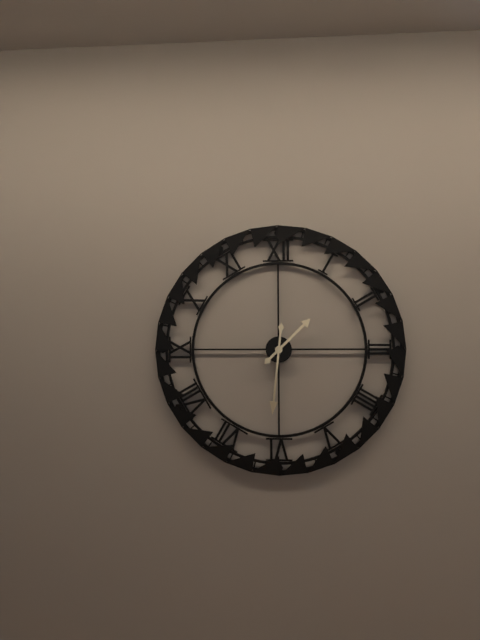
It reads 1h31
